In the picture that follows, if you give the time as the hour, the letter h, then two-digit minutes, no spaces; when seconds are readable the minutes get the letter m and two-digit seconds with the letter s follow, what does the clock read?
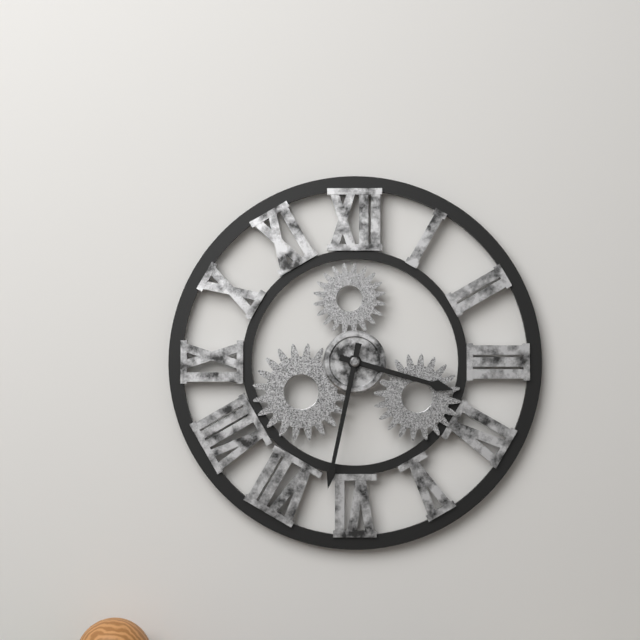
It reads 3h32
